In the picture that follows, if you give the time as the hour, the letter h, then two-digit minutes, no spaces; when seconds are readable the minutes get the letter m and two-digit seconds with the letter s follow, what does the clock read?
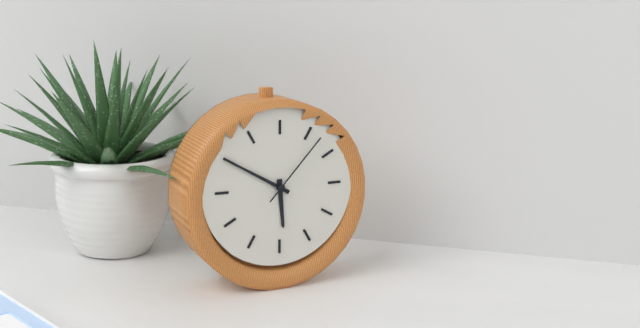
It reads 5h50m07s
